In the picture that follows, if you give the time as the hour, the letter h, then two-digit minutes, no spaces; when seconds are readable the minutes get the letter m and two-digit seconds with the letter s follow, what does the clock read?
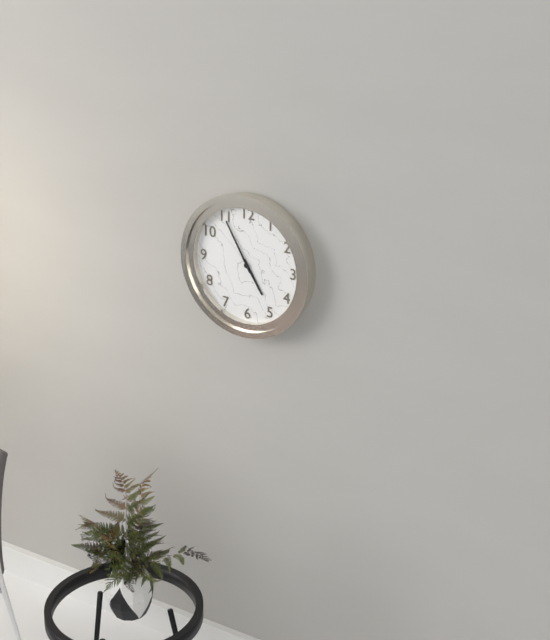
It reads 4h55
